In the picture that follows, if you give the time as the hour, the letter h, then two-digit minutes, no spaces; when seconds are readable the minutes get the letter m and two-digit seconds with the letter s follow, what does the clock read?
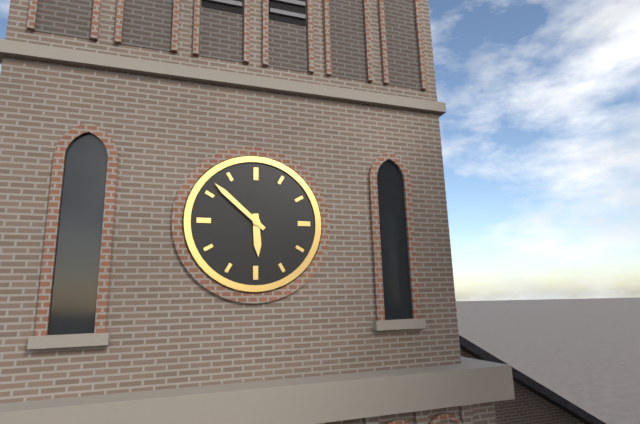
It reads 5h52
